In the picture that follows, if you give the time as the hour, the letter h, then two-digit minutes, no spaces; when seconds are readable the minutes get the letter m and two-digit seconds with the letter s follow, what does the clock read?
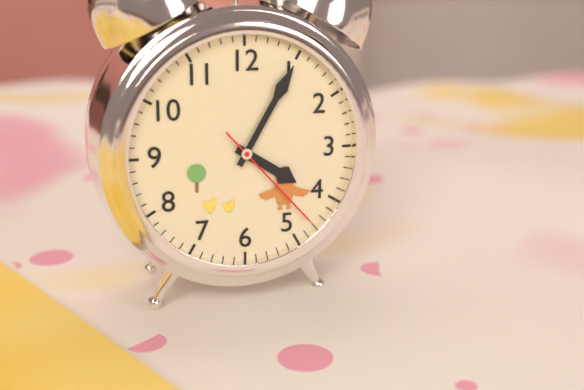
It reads 4h05m23s
